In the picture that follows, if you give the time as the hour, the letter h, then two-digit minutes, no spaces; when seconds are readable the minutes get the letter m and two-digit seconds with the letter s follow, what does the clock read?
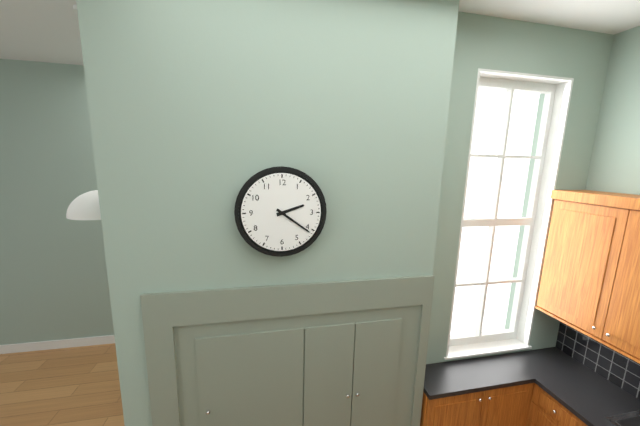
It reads 2h21
